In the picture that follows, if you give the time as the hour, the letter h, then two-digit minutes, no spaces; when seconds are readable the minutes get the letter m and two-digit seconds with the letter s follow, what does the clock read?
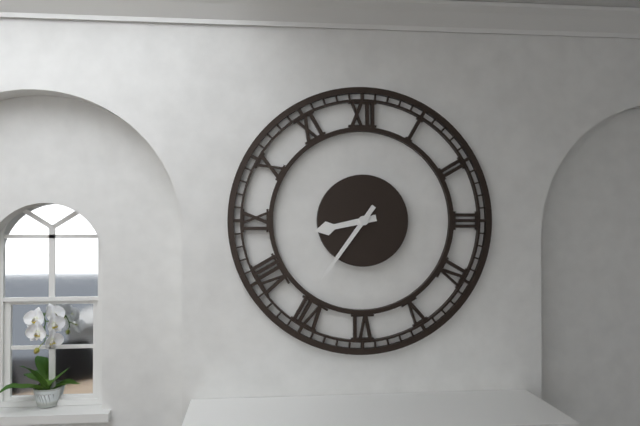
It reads 8h36
